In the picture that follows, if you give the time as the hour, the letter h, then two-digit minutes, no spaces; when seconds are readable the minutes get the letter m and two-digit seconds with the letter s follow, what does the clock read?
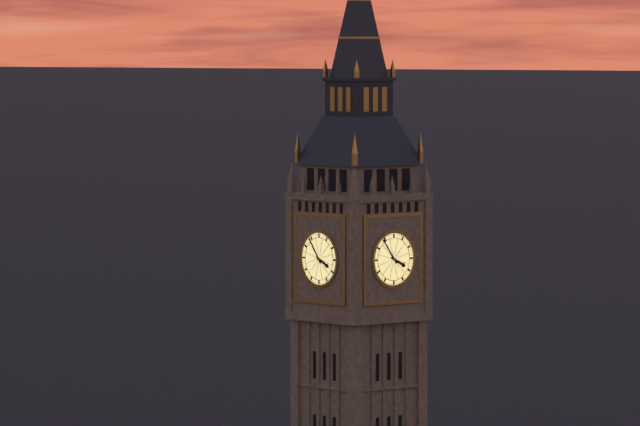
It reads 3h54
